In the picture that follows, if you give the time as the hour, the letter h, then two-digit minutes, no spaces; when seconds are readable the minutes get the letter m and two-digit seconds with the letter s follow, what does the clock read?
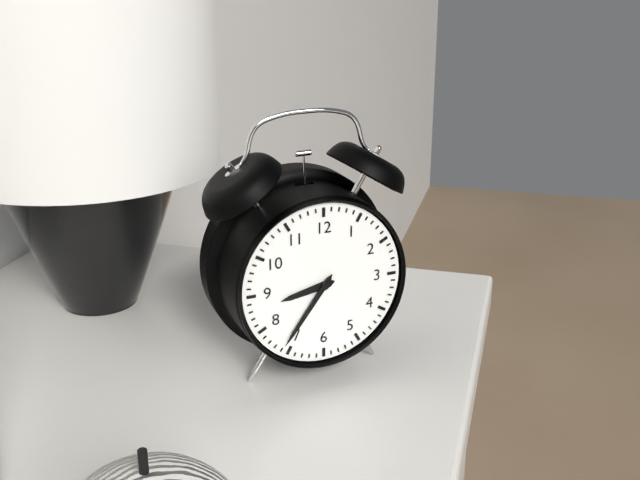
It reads 8h36
